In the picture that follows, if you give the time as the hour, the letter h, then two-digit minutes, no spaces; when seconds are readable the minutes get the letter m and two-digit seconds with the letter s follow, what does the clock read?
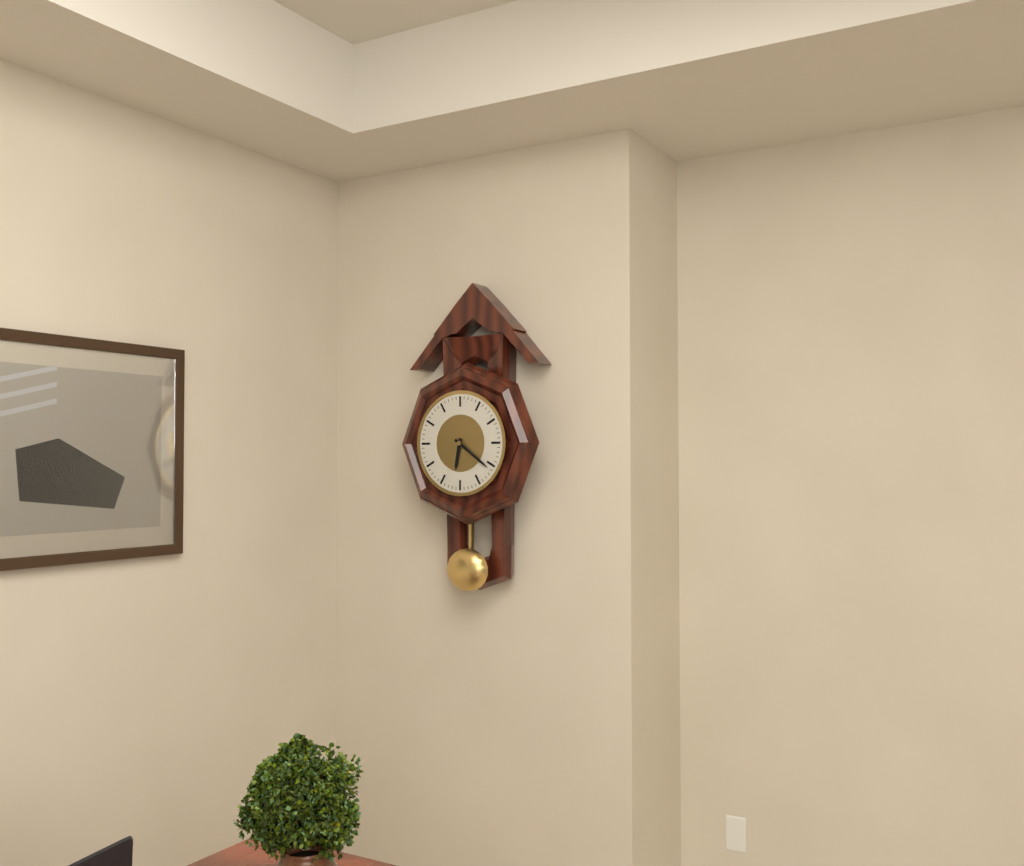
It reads 6h21
